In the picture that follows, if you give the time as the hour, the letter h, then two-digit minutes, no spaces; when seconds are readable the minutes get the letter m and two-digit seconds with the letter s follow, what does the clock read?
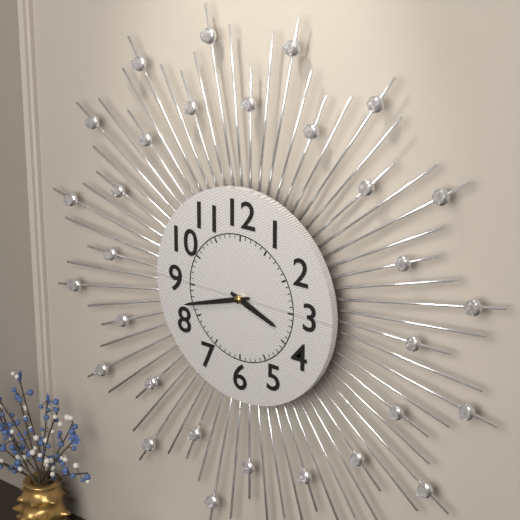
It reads 3h42
